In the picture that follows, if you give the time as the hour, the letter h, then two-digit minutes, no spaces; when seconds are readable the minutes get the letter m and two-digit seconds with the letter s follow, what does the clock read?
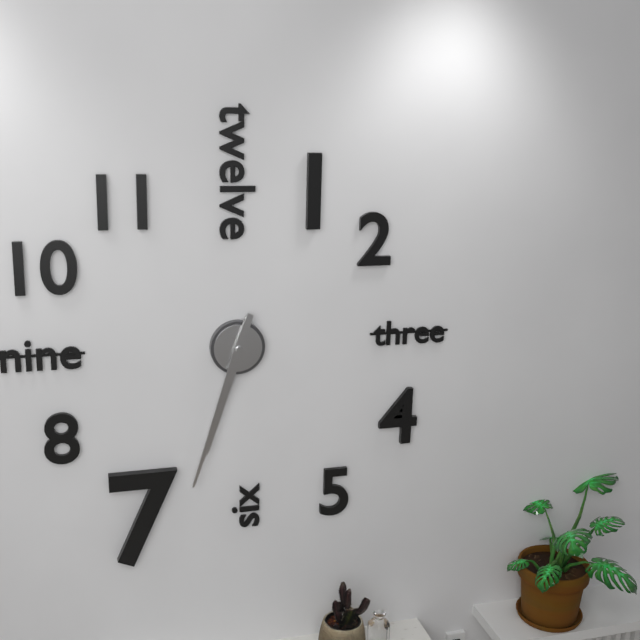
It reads 6h33
